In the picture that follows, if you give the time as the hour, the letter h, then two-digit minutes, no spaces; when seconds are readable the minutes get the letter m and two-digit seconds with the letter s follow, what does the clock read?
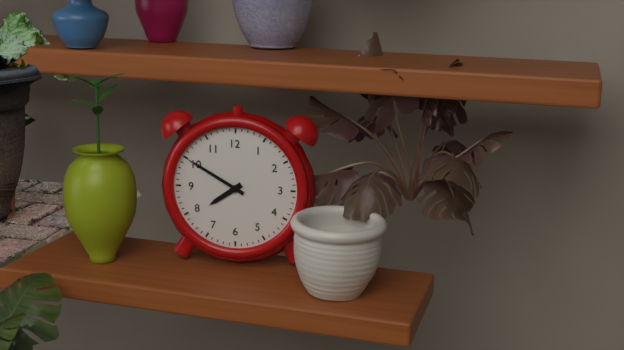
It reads 7h50
